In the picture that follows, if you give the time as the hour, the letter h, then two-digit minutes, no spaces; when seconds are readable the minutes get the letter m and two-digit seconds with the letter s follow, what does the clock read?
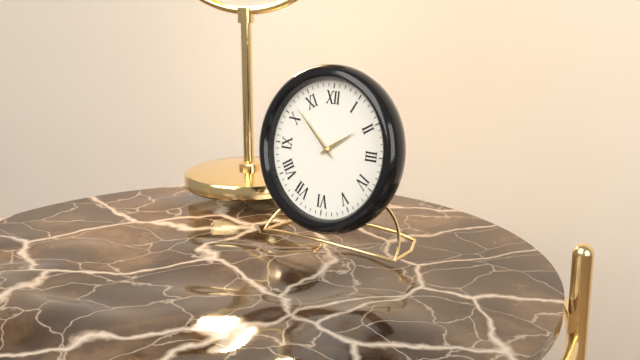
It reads 1h52
